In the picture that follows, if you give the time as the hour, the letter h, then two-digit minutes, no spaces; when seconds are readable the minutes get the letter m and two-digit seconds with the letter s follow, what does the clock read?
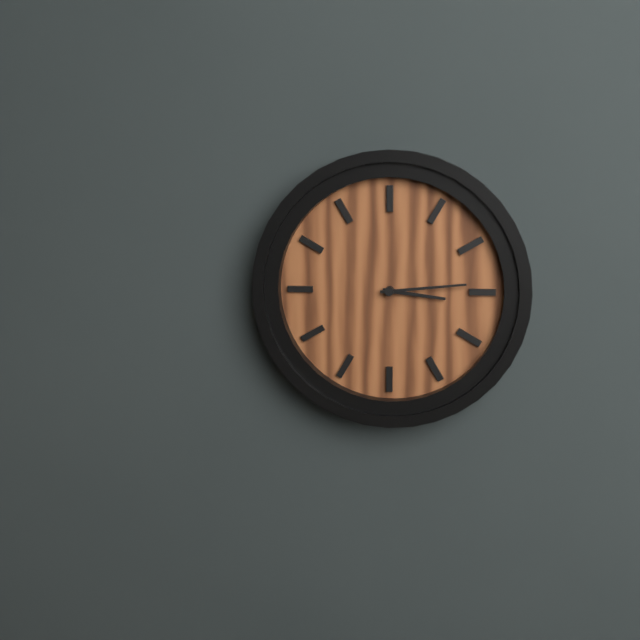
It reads 3h14
